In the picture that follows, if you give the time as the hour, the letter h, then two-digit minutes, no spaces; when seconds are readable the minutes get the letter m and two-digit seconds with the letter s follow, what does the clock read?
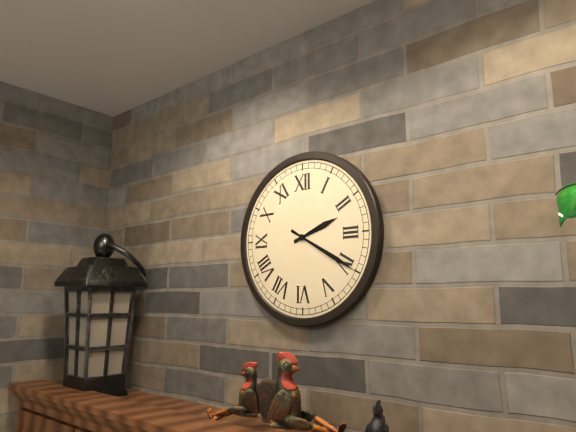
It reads 2h20
